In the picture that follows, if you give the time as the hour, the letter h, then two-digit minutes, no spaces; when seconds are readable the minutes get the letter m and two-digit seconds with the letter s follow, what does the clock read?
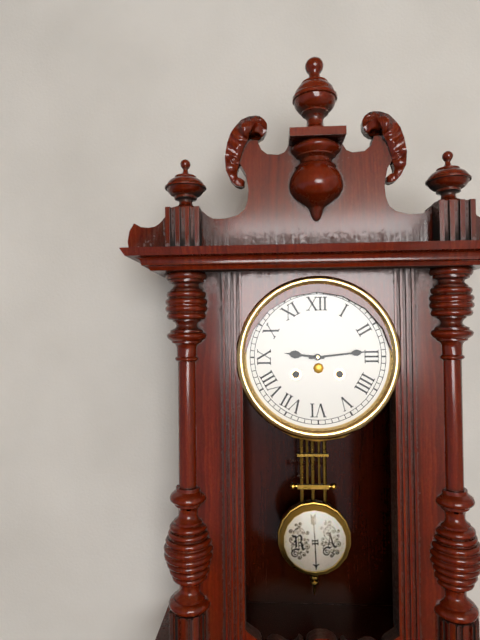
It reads 9h14
